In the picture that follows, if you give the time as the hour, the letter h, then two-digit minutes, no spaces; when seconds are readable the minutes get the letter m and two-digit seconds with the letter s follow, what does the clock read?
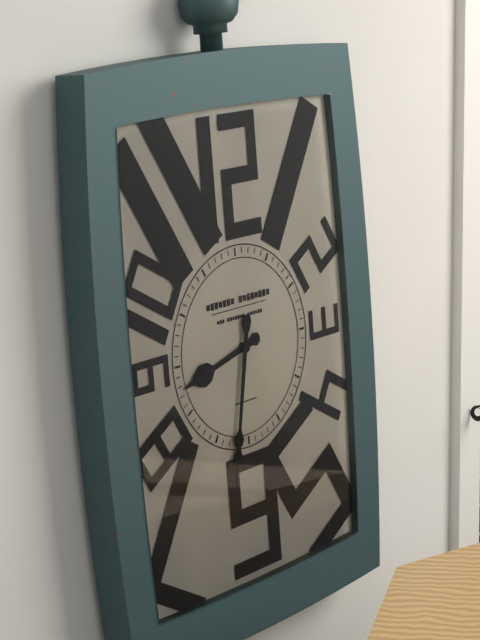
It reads 8h32
